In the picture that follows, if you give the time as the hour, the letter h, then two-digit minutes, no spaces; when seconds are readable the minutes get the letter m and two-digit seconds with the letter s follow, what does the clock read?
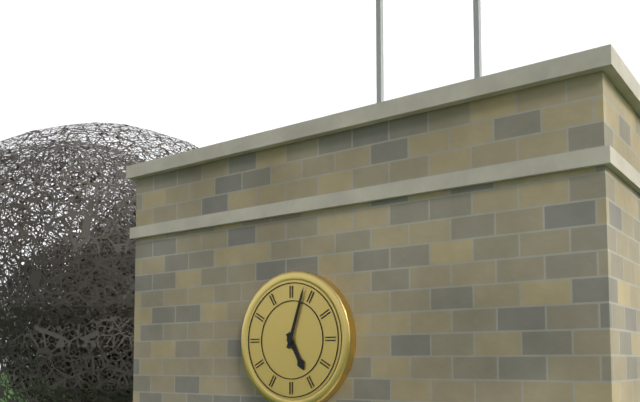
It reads 5h03
